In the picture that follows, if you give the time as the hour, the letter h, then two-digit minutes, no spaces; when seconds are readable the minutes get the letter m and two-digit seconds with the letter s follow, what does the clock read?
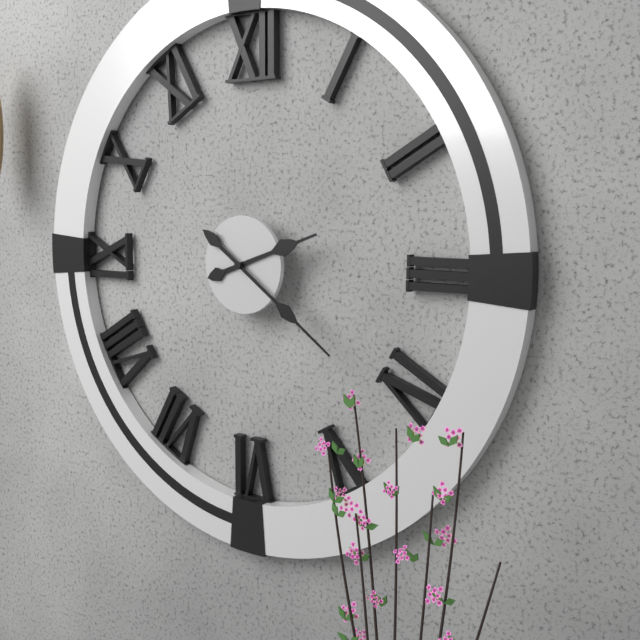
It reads 2h21
